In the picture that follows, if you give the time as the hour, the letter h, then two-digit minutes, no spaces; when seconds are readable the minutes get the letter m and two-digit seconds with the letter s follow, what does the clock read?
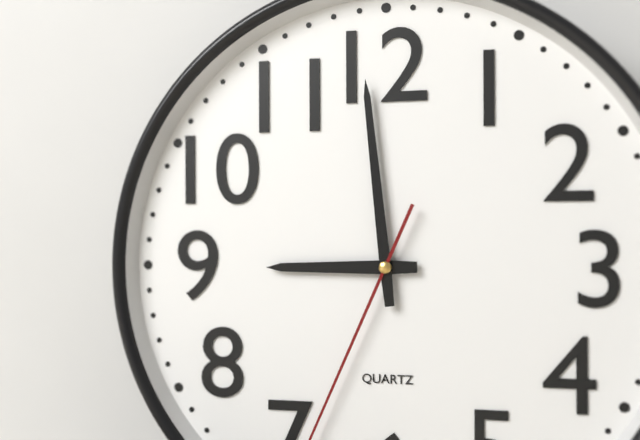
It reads 8h59
